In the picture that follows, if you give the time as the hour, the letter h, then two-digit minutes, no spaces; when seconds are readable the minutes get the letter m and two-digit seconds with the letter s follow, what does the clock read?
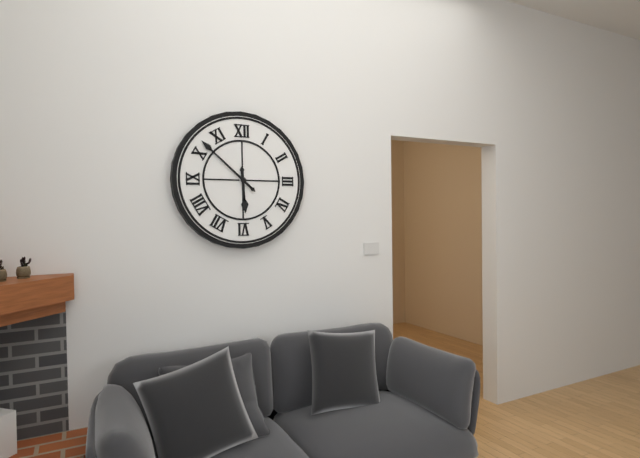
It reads 5h52
